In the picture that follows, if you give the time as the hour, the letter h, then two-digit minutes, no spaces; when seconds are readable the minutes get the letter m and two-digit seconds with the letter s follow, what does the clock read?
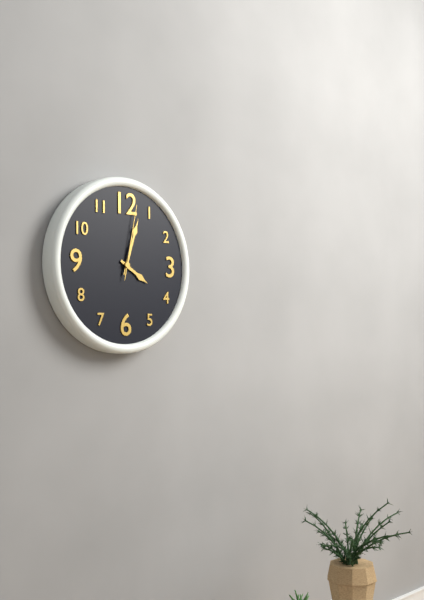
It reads 4h03m02s
